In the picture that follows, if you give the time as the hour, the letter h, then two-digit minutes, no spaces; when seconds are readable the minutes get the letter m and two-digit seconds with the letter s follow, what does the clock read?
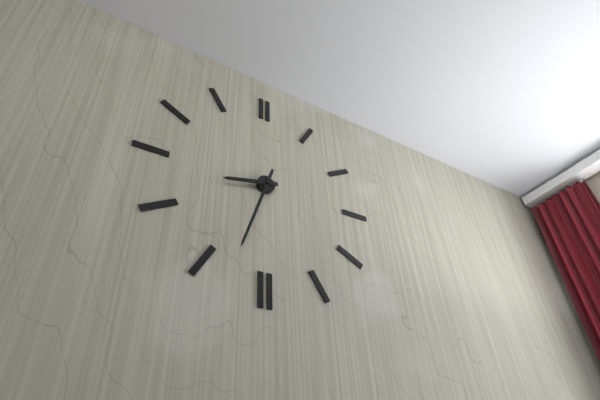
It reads 8h33
